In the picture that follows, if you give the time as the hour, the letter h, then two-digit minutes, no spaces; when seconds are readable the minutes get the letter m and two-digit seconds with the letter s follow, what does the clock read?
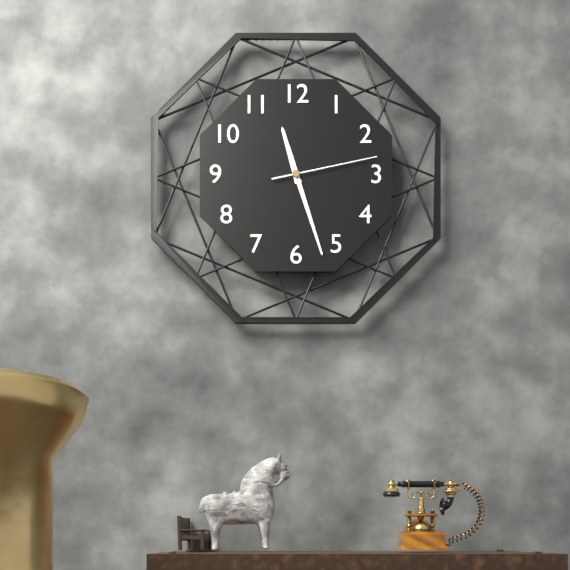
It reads 11h27m13s
